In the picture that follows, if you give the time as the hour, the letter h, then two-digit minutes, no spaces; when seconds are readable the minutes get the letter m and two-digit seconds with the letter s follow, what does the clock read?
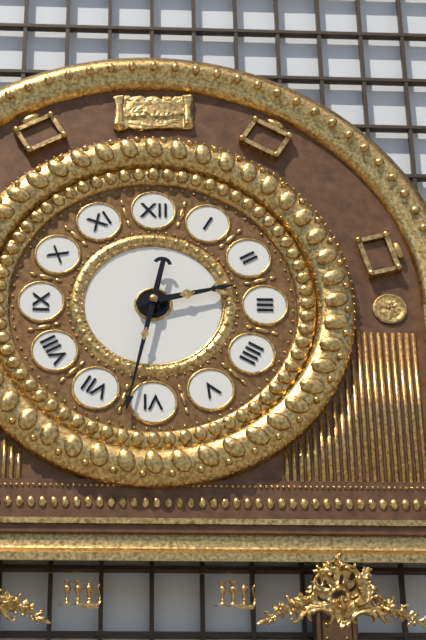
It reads 2h32
